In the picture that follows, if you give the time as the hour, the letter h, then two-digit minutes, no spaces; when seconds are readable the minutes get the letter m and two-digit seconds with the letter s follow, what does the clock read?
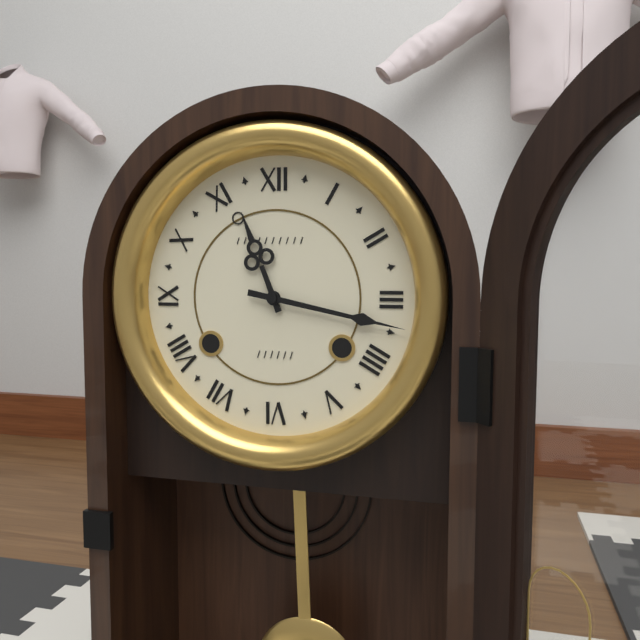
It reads 11h17
